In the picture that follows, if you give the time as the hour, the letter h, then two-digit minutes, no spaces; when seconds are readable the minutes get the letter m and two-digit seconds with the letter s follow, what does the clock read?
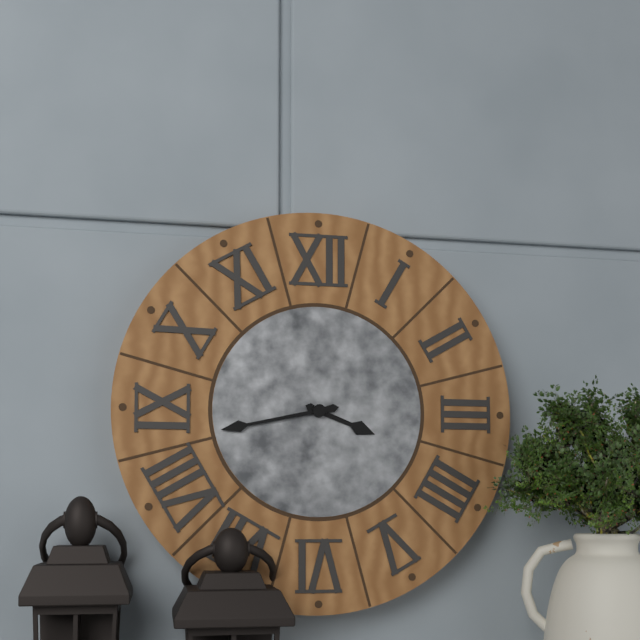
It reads 3h43
